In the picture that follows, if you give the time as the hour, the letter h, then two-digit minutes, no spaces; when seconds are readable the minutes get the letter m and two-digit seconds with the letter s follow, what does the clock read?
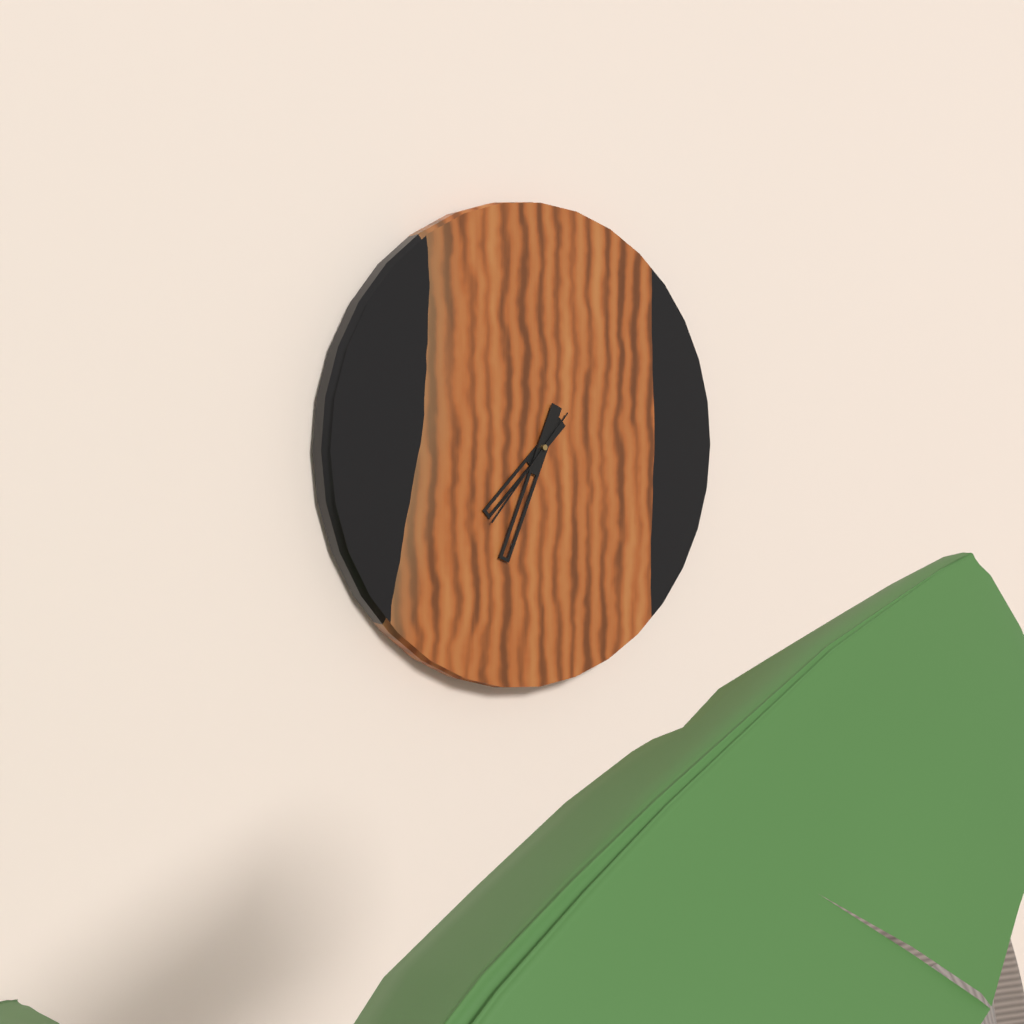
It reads 7h34m37s
